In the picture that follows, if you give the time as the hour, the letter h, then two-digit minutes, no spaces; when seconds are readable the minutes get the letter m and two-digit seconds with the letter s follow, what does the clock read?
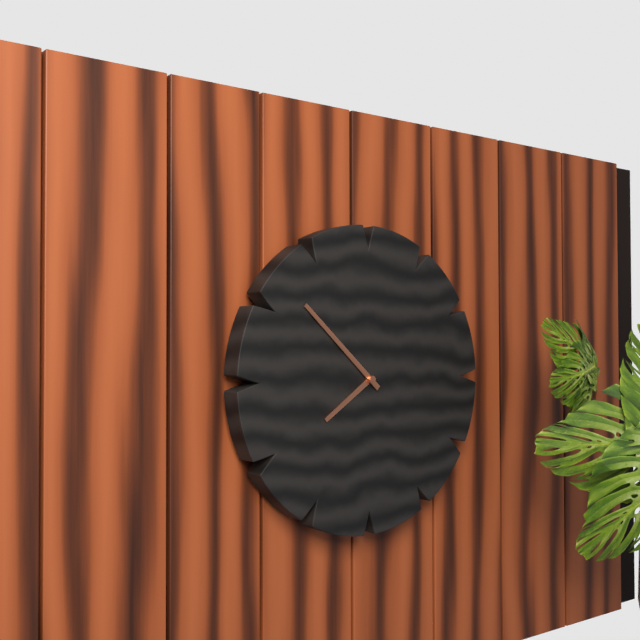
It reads 7h52
